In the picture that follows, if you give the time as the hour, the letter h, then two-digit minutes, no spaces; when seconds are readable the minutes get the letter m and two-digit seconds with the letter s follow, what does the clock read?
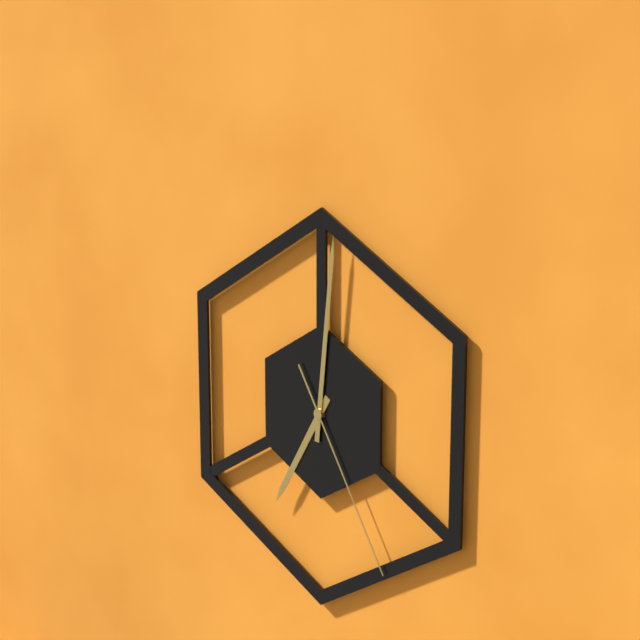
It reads 7h01m25s
